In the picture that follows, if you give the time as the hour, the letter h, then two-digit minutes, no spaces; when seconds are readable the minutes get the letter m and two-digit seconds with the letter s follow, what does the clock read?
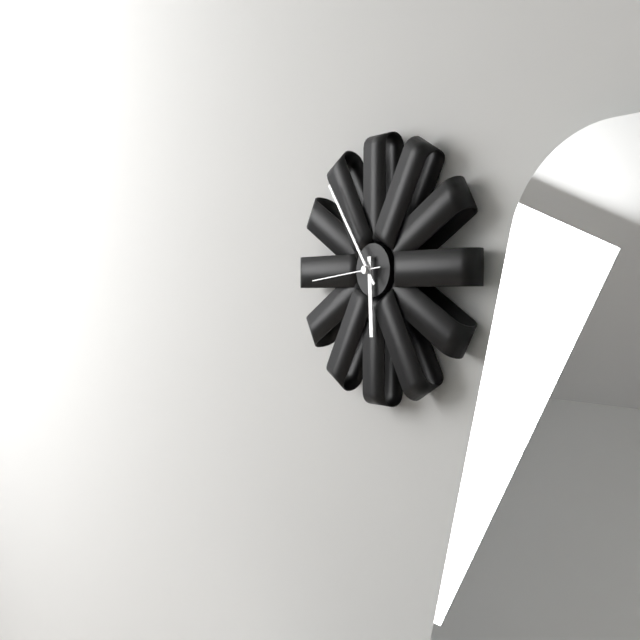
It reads 5h54m44s
